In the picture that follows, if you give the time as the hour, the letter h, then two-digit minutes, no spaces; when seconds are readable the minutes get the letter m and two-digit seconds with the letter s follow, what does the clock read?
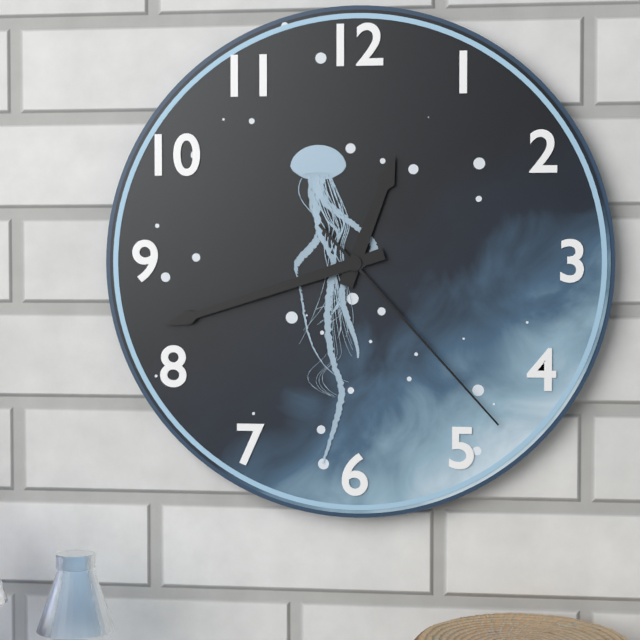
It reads 12h42m23s
